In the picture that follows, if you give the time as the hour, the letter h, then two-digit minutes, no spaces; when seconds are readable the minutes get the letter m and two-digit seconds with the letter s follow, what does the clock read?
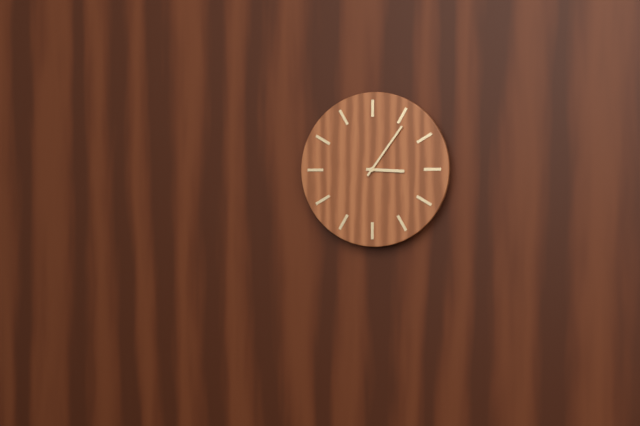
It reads 3h06
